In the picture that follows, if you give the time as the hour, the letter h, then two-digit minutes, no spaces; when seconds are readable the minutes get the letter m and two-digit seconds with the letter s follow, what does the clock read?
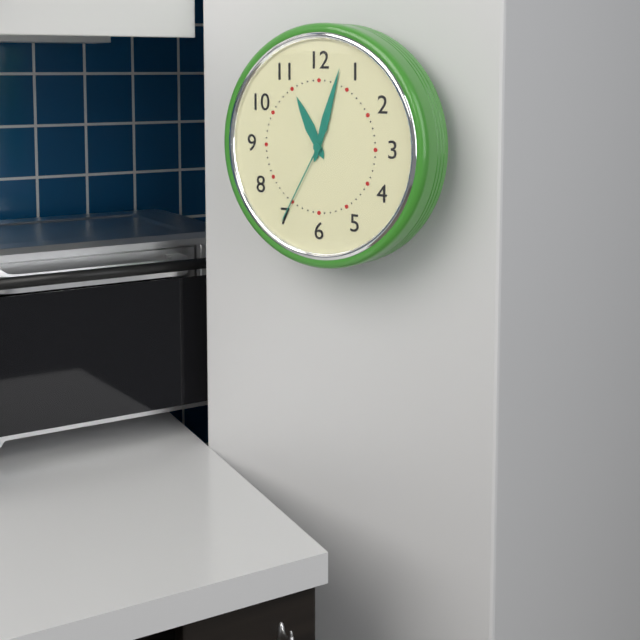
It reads 11h03m35s
